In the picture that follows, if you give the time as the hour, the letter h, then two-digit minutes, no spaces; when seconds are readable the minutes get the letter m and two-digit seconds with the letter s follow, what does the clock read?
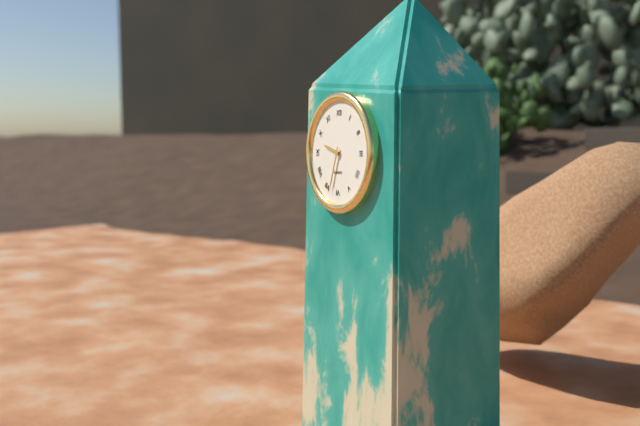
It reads 9h33
